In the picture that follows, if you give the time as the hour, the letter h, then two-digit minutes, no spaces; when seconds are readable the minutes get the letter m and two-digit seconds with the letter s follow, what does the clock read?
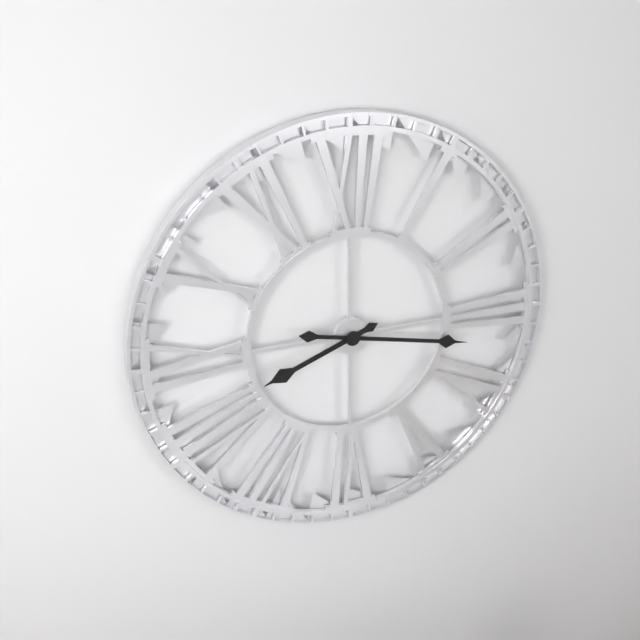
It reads 8h17
